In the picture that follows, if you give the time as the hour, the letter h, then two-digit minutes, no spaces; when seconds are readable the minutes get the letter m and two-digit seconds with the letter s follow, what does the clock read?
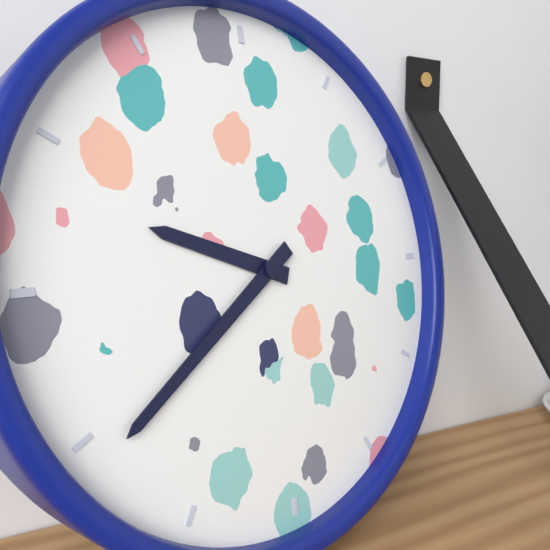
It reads 9h39
